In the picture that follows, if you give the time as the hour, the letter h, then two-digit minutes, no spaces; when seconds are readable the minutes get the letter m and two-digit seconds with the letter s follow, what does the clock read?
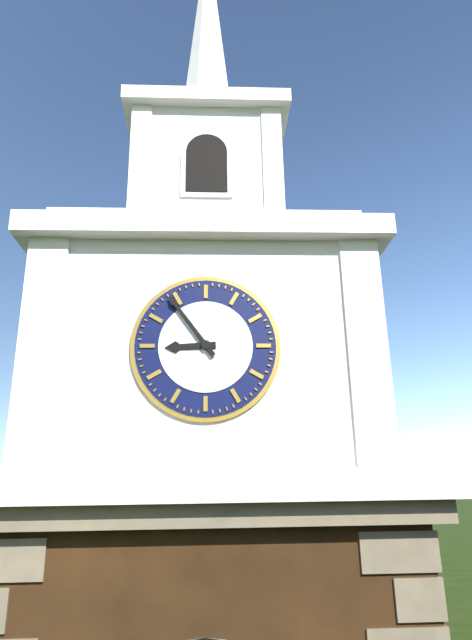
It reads 8h54
